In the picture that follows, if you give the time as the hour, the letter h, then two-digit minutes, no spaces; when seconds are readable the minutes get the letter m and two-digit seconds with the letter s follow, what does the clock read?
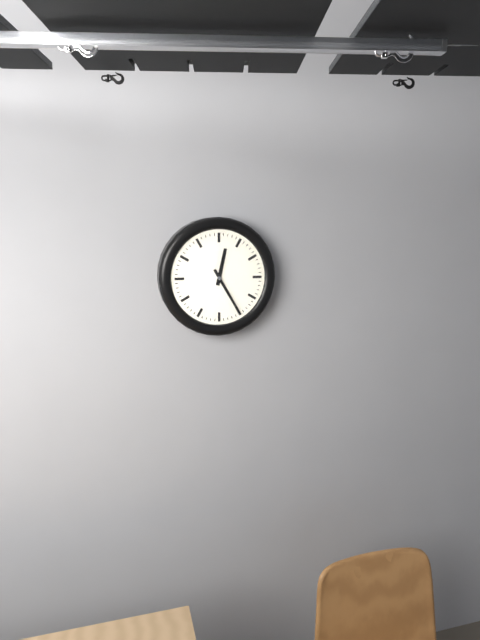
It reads 12h25
